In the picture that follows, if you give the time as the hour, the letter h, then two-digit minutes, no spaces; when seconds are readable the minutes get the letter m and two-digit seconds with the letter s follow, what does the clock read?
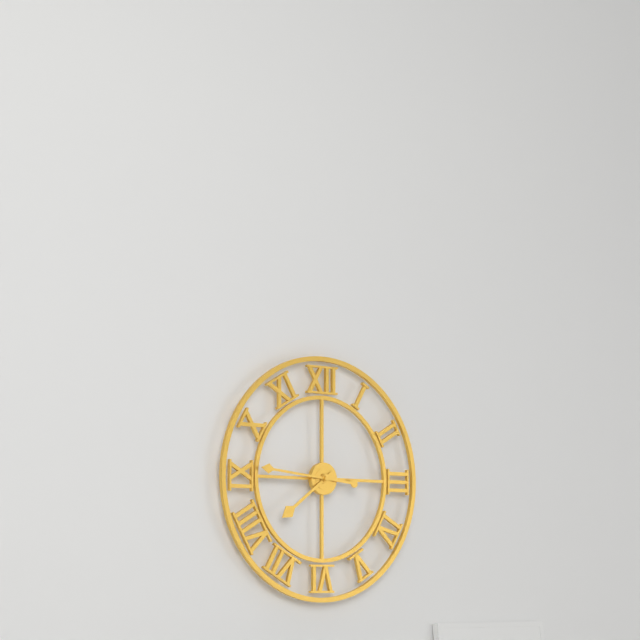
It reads 7h46
